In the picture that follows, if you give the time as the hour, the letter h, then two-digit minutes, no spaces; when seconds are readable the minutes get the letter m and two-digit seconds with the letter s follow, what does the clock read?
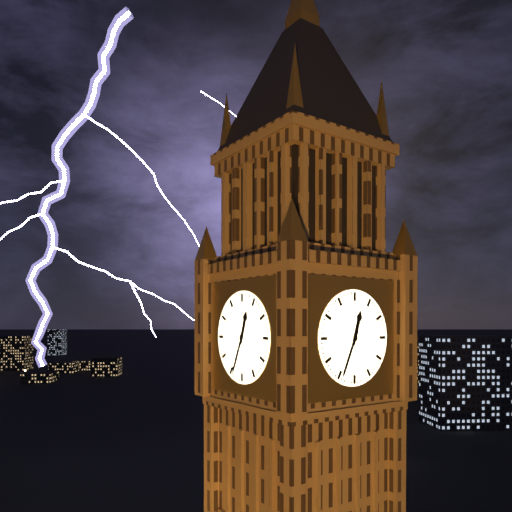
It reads 12h34
